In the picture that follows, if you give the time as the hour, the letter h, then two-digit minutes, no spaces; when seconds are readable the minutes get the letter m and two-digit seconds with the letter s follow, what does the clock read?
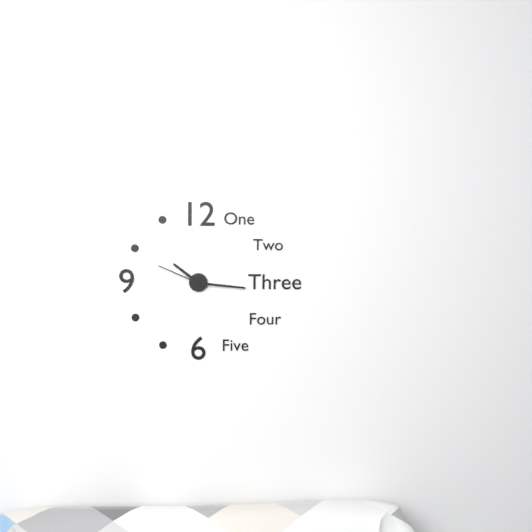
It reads 10h16m49s
